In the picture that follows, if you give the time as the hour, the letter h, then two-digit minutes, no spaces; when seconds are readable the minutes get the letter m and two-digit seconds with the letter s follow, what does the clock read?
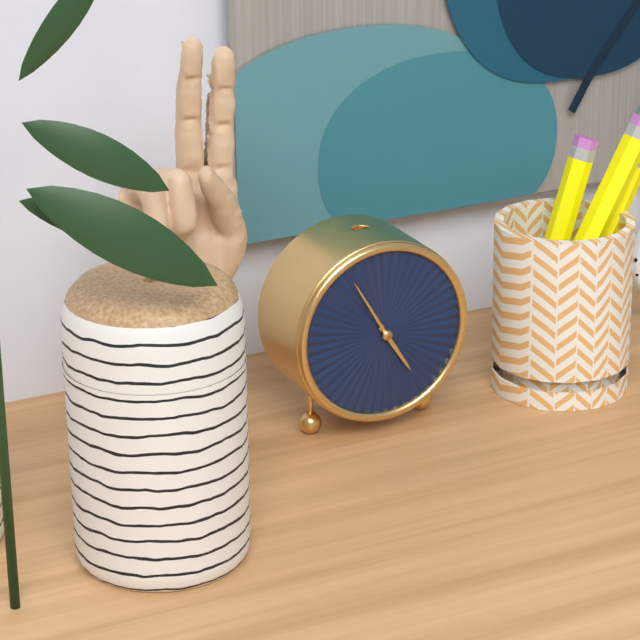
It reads 4h55
